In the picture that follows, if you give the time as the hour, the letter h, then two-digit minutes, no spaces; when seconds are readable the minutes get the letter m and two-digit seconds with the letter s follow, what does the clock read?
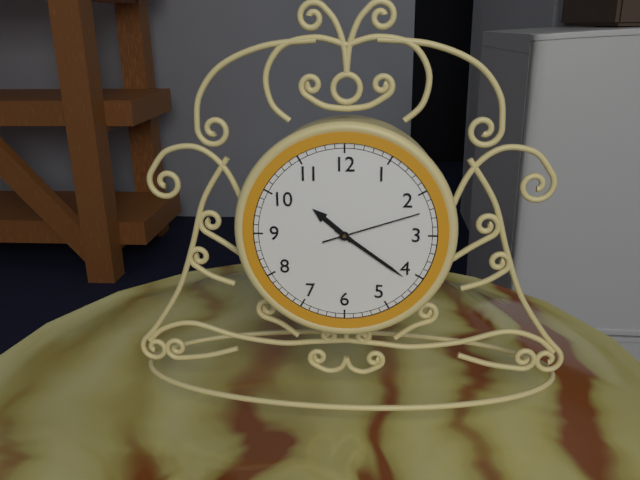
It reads 10h21m12s
